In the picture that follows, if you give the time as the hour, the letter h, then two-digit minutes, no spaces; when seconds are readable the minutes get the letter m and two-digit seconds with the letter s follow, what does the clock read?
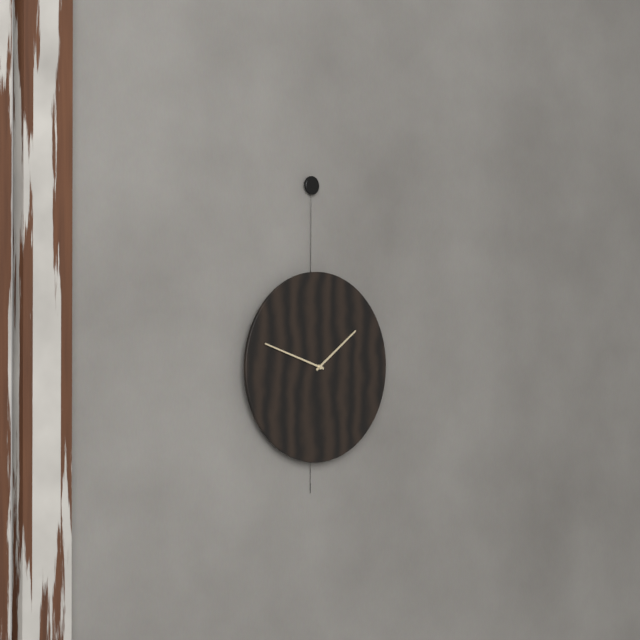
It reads 1h48
